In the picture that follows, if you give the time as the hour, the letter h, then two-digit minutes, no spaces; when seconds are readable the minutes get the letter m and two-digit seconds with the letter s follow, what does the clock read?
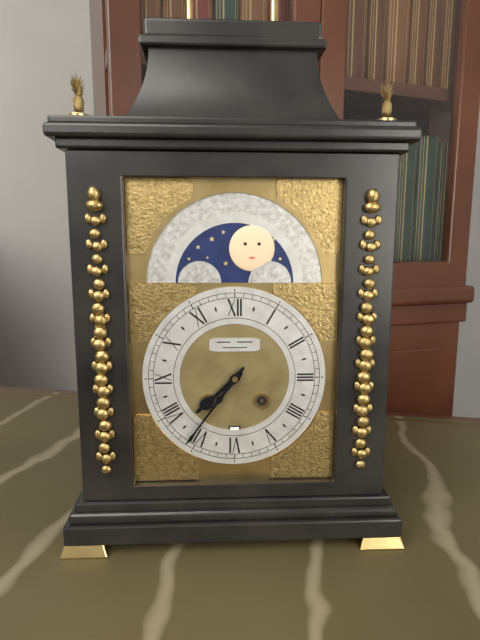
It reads 7h36
